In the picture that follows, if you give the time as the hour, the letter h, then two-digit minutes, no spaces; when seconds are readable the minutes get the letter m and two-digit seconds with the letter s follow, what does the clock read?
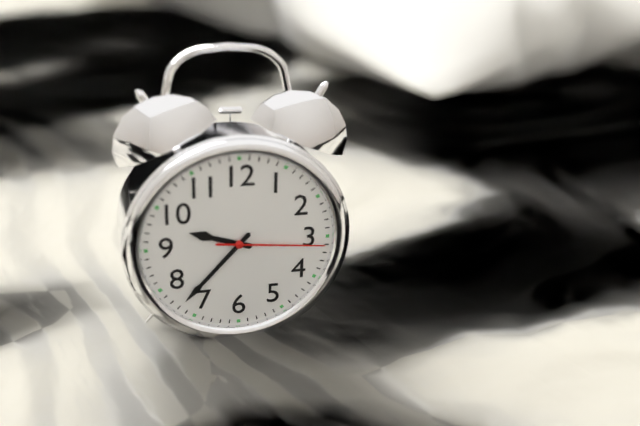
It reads 9h37m16s
